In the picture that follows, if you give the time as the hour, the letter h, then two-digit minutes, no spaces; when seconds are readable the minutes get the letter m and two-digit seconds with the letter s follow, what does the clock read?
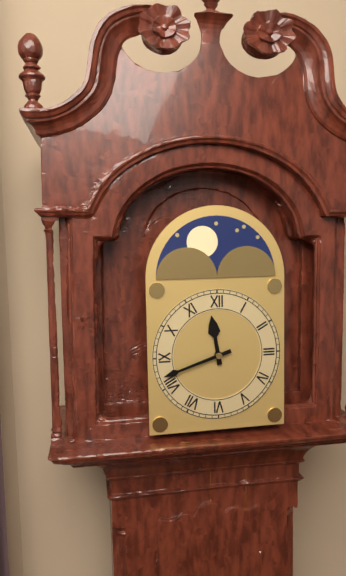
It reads 11h42
